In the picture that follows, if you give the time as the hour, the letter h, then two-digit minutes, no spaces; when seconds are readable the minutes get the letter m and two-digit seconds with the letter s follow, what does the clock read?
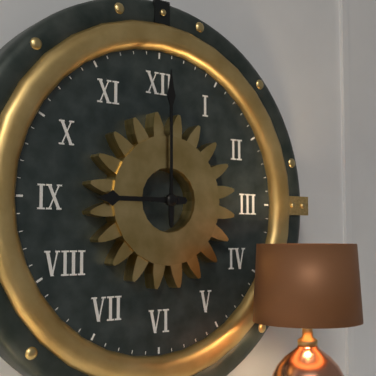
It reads 9h00
